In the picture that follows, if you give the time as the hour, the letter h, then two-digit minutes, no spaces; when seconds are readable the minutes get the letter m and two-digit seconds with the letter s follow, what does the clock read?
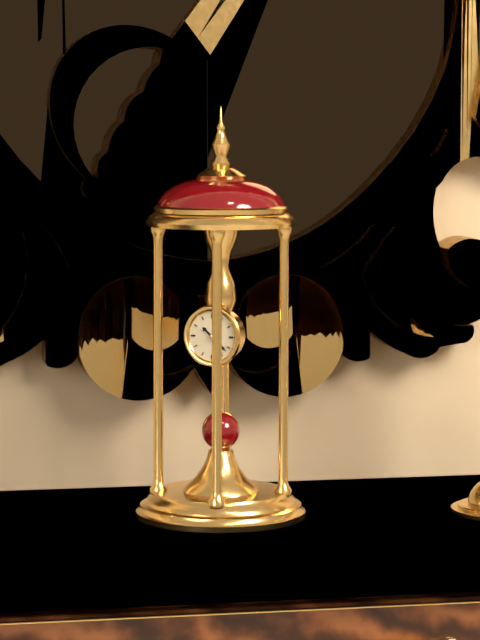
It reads 10h22
